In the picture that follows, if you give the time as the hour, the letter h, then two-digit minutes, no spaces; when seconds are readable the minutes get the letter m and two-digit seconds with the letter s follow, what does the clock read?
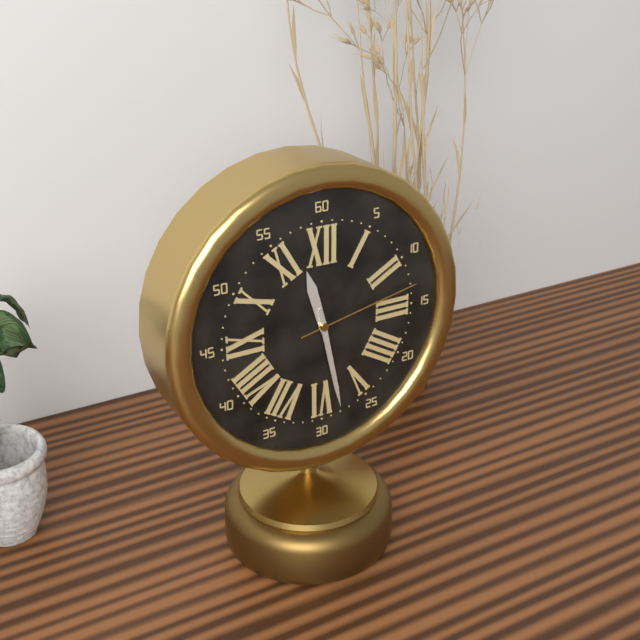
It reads 11h28m13s
